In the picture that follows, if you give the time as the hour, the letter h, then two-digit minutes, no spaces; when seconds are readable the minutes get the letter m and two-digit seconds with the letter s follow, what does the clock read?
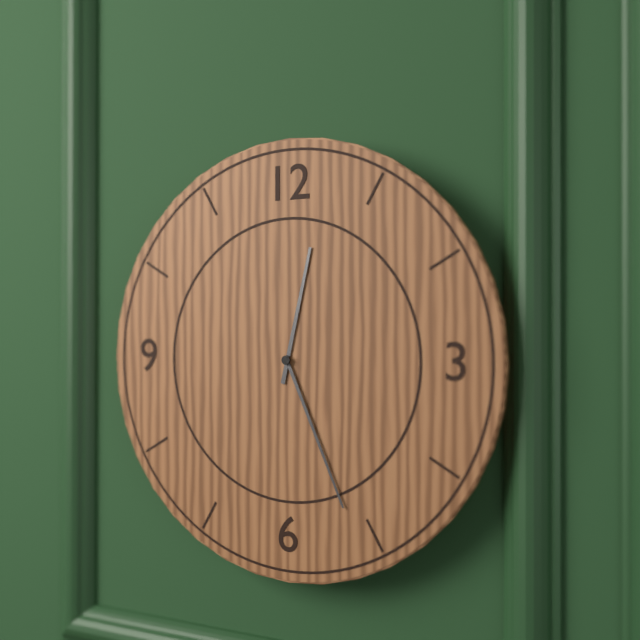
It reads 12h26
